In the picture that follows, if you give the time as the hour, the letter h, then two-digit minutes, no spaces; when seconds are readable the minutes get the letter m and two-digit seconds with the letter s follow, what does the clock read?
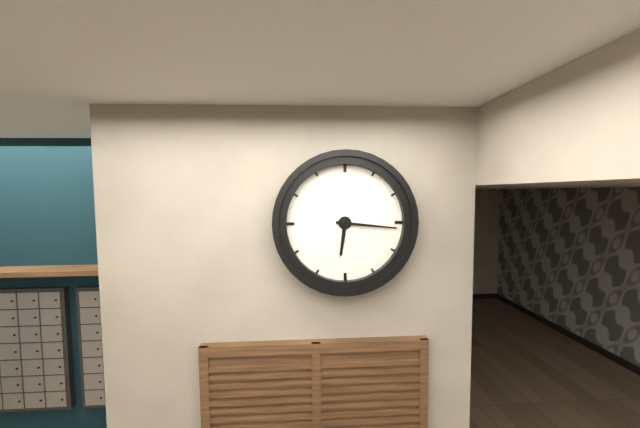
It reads 6h16
